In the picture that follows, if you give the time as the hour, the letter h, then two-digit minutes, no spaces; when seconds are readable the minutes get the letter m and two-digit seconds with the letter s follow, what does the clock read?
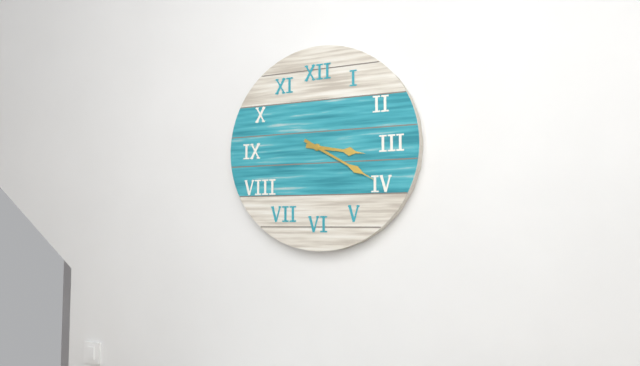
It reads 3h20
